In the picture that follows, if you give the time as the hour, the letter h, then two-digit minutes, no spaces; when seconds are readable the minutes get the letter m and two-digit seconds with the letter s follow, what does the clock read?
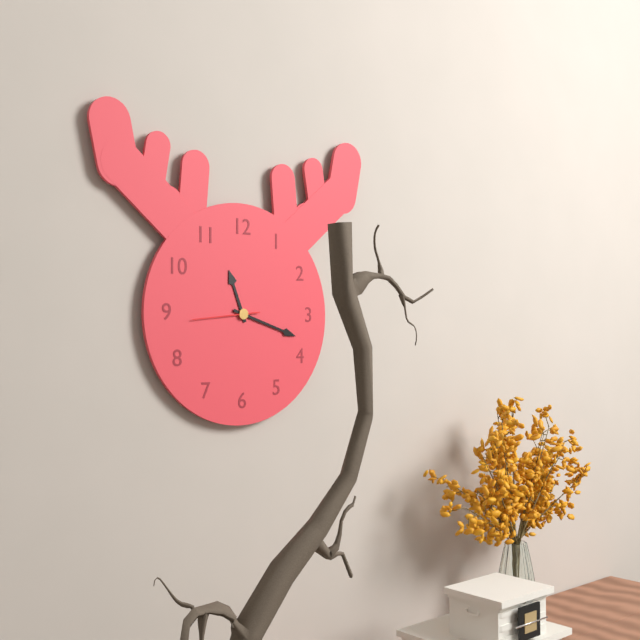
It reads 11h18m44s
